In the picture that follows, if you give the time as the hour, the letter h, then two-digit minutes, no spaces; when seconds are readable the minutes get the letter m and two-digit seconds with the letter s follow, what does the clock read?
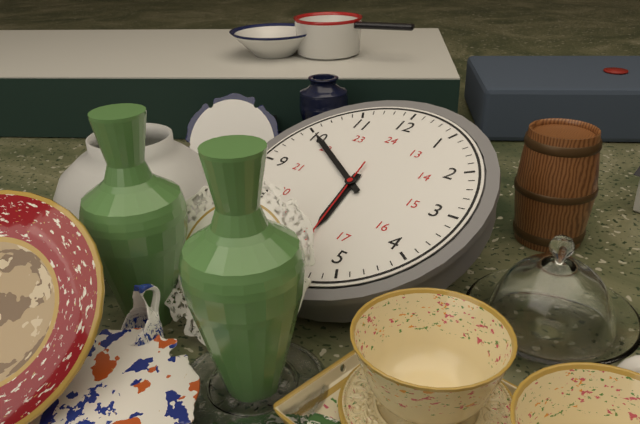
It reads 5h50
